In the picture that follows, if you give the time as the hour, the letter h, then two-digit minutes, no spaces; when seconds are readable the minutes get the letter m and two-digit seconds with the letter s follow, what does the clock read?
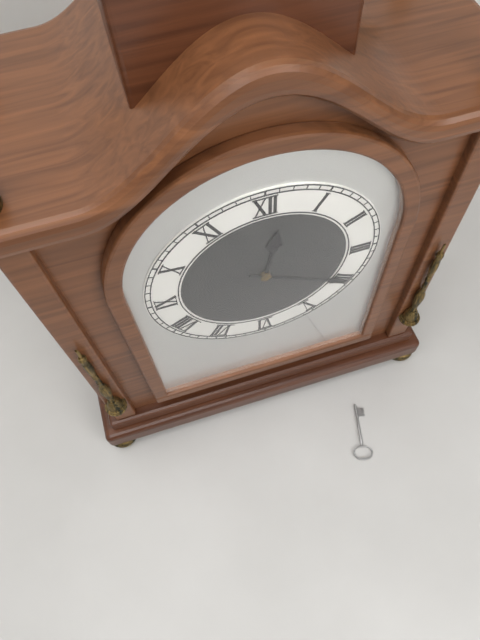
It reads 12h20
